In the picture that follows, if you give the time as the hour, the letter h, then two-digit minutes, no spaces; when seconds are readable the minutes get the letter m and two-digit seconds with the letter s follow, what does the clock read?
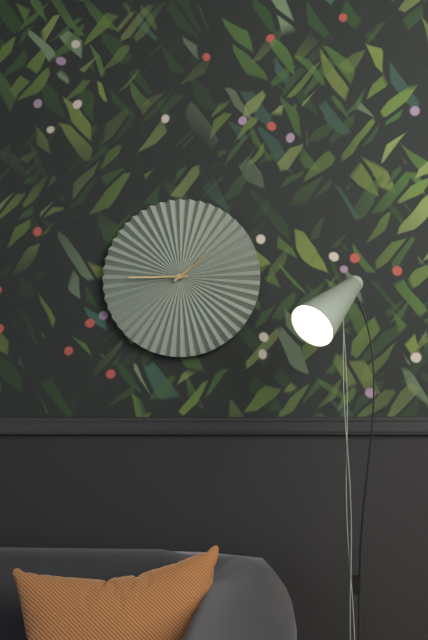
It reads 1h45
